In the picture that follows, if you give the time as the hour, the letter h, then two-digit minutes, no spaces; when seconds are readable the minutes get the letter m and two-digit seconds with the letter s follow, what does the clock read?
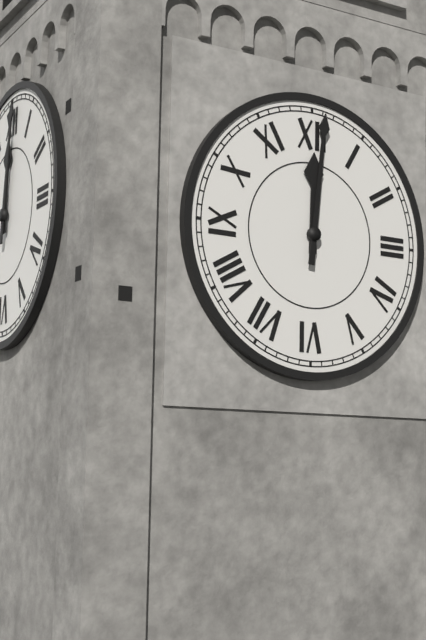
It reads 12h01
